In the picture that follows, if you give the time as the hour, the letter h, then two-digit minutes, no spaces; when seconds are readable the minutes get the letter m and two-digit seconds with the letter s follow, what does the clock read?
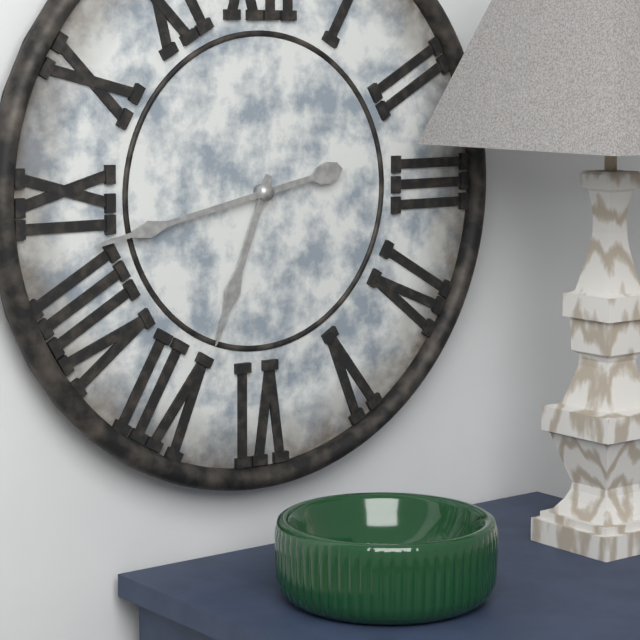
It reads 6h43
